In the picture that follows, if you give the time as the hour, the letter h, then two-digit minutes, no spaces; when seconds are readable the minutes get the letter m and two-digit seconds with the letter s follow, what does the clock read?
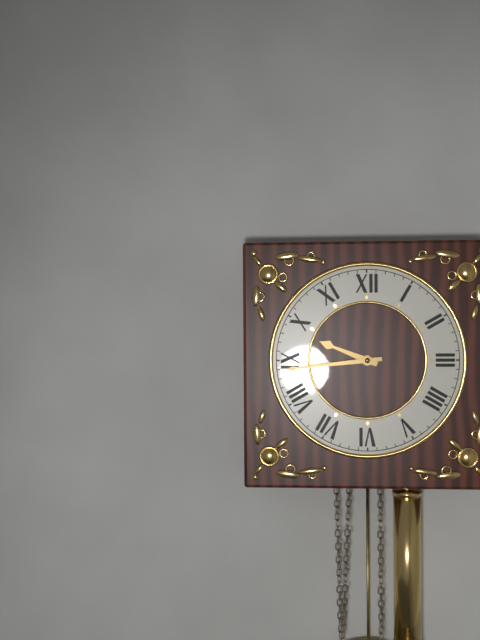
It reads 9h44
